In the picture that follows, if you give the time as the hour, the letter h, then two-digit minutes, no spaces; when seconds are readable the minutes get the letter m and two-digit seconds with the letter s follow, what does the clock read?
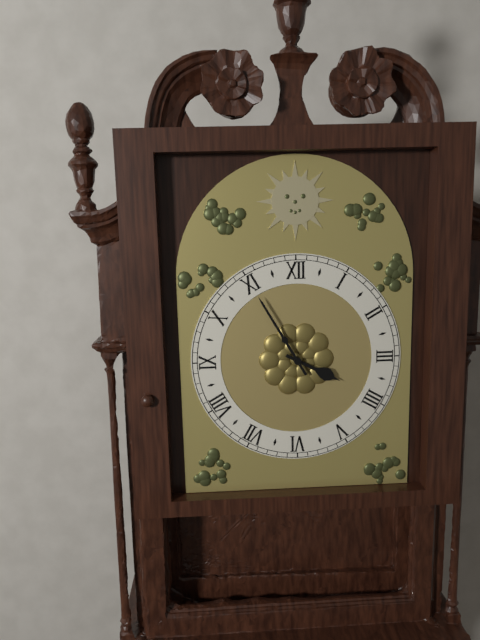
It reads 3h55
